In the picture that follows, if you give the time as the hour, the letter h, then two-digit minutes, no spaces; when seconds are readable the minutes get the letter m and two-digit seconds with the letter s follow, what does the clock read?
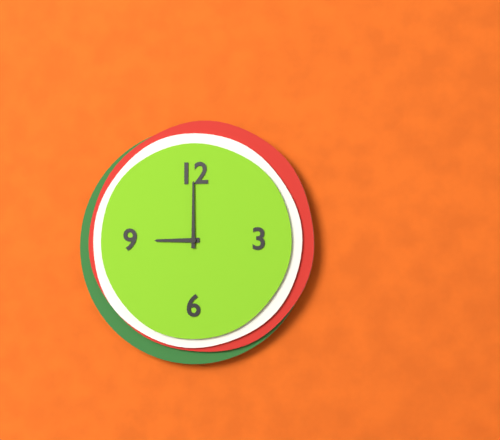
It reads 9h00
